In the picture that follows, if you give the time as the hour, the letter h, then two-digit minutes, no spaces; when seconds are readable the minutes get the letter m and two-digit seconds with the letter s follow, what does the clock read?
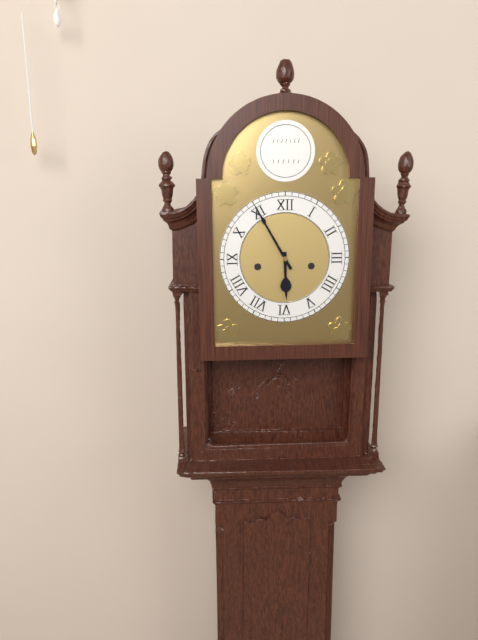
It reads 5h55
